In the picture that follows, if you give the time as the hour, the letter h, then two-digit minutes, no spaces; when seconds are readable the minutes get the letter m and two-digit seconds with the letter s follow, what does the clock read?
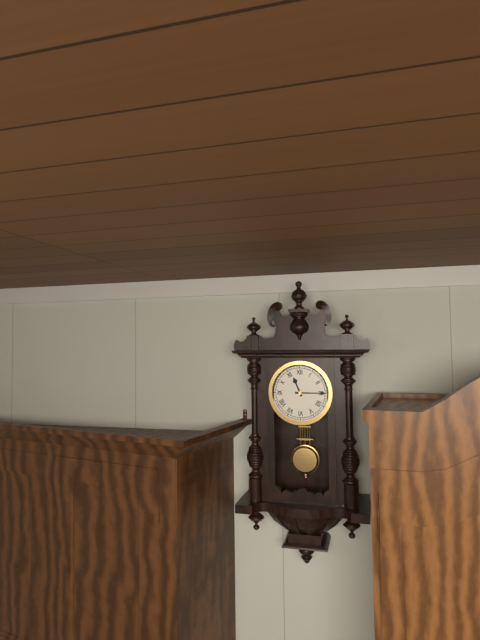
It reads 11h15
